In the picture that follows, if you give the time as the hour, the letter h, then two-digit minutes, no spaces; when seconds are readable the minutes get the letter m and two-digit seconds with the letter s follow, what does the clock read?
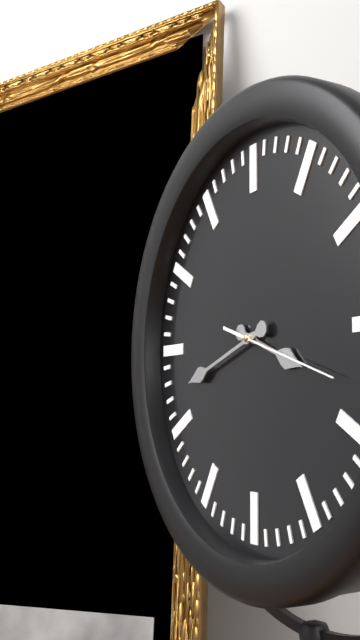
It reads 3h42m18s
